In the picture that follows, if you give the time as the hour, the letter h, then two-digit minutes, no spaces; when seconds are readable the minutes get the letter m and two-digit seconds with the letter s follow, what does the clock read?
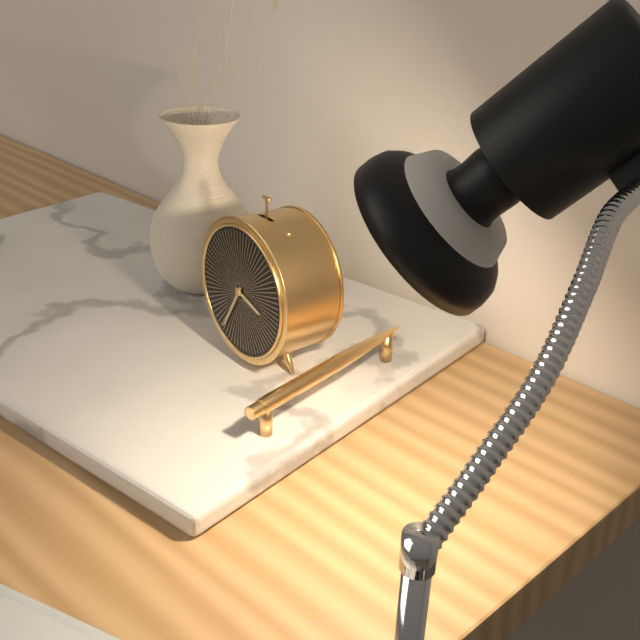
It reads 3h35
